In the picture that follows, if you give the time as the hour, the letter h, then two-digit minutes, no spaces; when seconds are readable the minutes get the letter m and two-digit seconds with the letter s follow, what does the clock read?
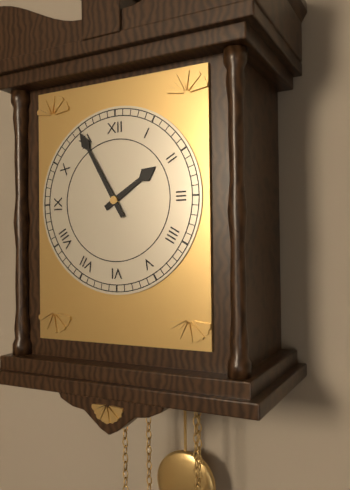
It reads 1h55
